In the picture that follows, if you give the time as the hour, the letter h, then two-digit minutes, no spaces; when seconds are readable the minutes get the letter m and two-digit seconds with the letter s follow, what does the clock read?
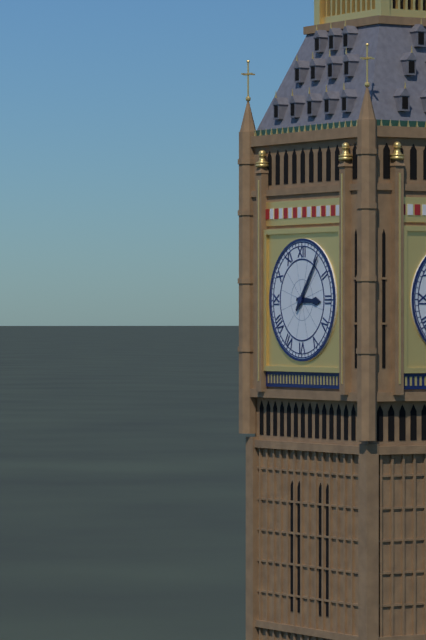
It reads 3h06
